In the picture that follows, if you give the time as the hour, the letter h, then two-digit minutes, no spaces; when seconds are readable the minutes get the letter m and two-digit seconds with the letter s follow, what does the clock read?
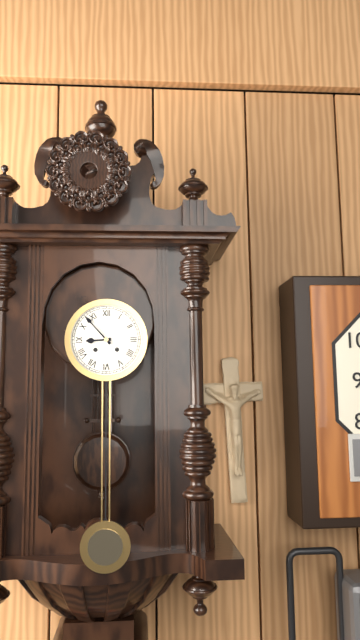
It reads 8h53
